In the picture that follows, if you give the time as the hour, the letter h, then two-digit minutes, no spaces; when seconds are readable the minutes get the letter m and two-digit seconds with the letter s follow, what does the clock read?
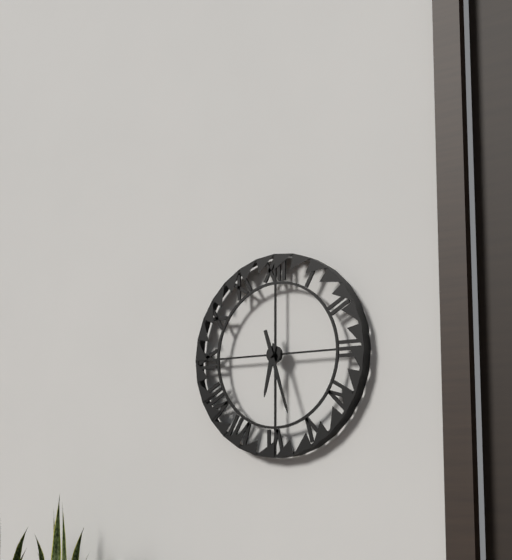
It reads 6h27
